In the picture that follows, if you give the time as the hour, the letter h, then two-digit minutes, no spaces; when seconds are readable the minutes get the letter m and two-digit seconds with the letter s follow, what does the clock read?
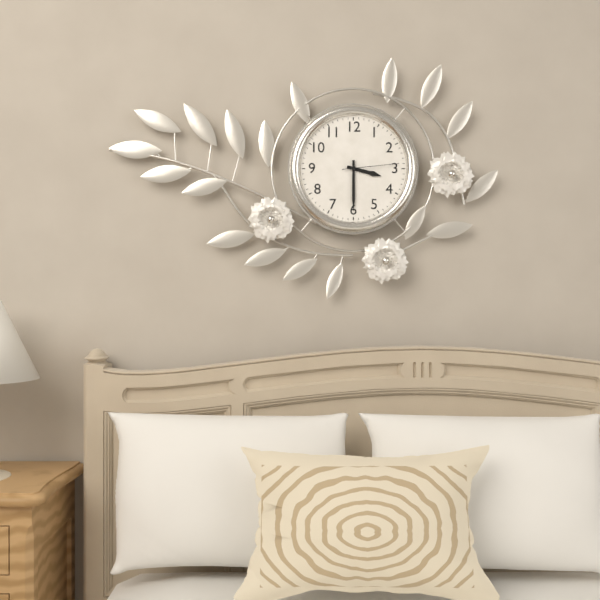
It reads 3h30m14s
